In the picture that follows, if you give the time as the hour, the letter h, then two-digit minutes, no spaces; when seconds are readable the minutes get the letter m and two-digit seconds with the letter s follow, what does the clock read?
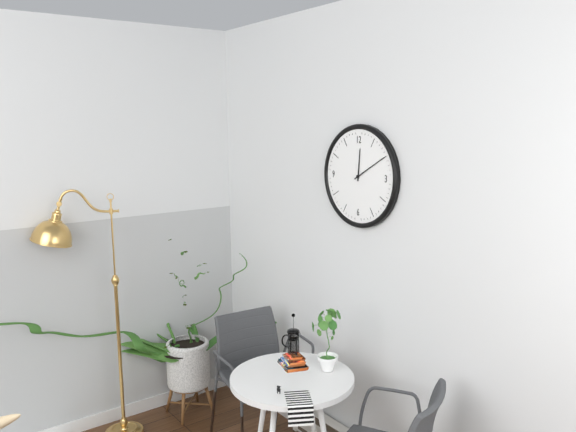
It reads 12h10
